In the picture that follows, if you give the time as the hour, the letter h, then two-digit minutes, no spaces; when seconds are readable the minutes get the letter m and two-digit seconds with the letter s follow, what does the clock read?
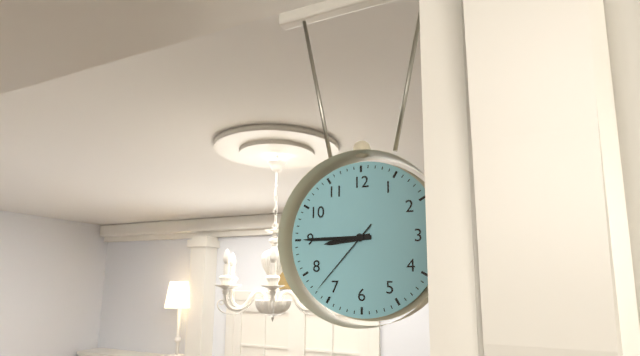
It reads 8h45m37s
